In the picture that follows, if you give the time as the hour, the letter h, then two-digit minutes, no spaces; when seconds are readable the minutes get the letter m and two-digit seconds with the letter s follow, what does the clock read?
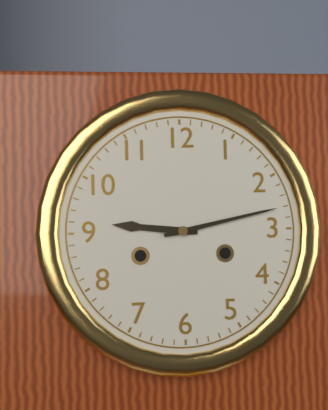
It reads 9h13
